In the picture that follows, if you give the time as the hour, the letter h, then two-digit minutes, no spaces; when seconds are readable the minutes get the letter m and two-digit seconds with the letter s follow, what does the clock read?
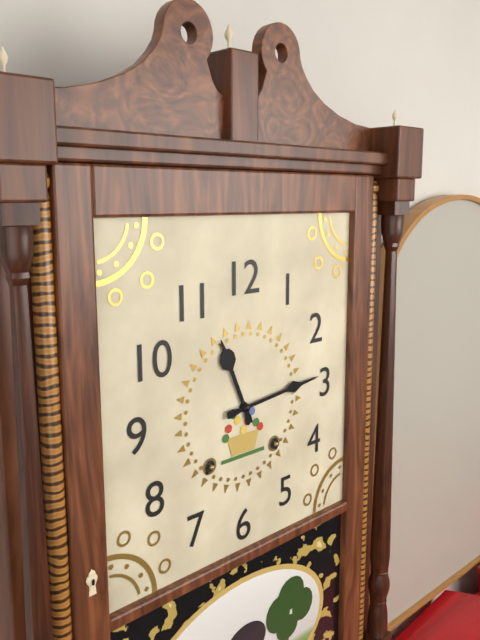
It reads 11h14
